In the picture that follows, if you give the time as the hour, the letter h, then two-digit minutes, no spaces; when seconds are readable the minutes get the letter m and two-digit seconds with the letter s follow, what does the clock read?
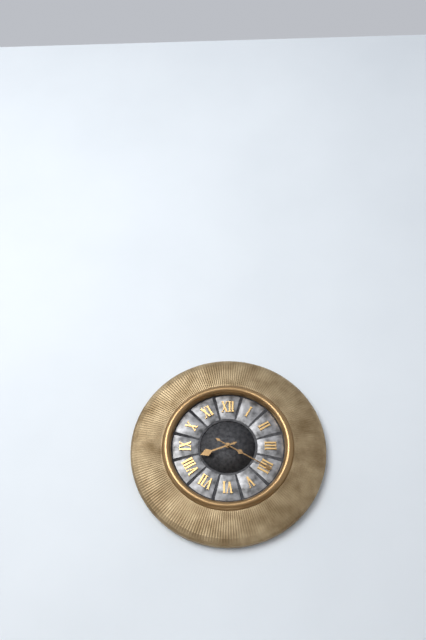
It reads 8h20m20s
